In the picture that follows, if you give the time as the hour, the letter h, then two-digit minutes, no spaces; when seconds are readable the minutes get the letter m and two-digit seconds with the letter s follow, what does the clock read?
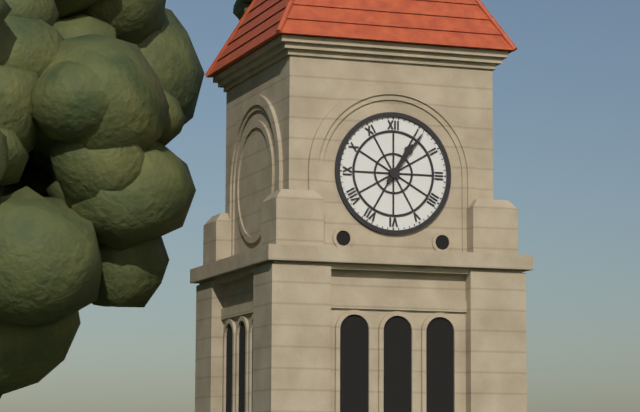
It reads 1h06
